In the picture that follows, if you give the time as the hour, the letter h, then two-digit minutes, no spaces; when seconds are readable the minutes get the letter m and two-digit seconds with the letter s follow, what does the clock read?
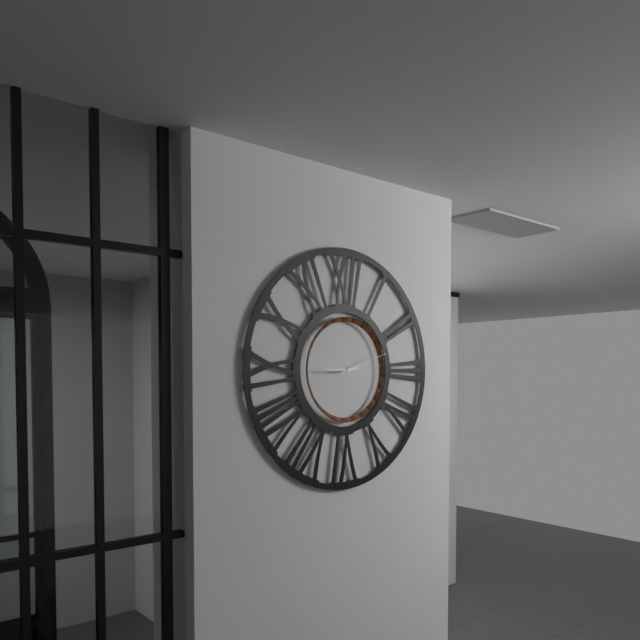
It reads 2h45m12s
